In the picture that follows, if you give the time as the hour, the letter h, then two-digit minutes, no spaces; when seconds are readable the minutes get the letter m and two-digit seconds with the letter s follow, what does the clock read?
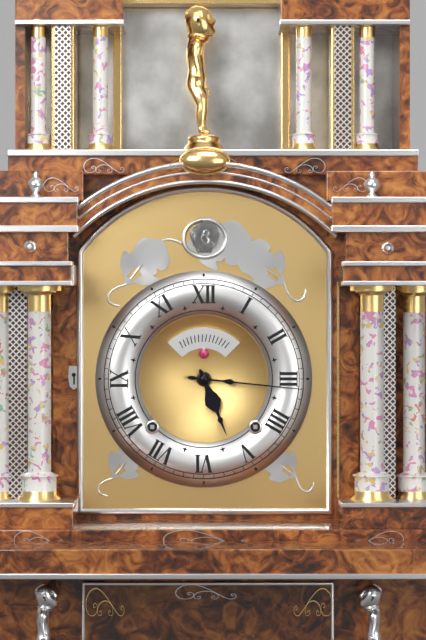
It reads 5h16
